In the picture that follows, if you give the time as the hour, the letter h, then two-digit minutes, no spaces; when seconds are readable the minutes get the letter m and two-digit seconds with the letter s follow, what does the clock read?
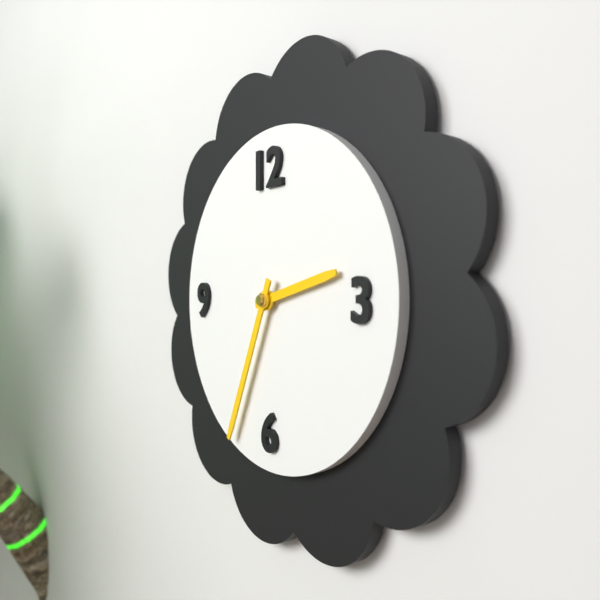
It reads 2h34
